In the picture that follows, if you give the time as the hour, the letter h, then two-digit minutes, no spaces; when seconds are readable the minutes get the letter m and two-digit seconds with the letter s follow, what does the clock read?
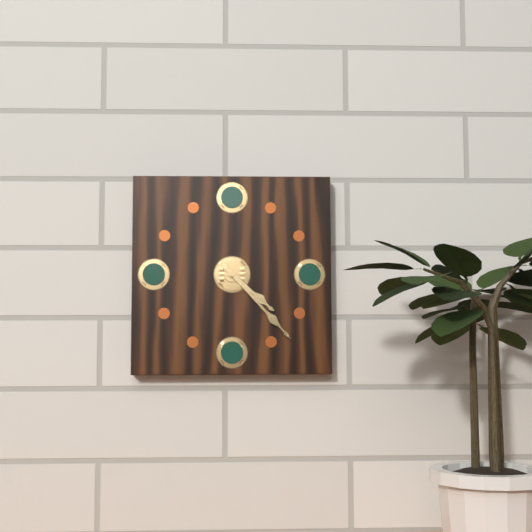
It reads 4h23
